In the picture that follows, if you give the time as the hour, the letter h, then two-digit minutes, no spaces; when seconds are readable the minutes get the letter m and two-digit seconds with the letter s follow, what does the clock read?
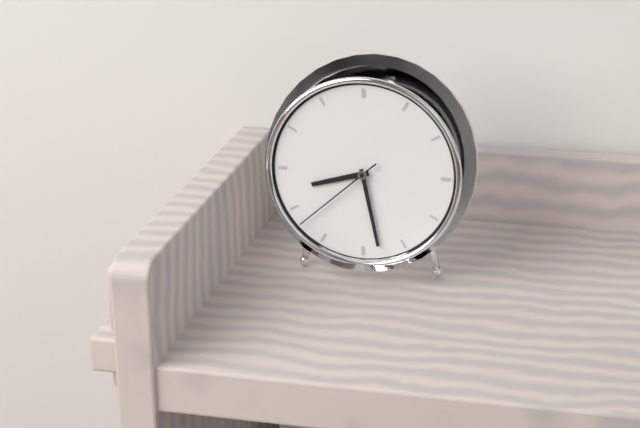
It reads 8h28m38s
